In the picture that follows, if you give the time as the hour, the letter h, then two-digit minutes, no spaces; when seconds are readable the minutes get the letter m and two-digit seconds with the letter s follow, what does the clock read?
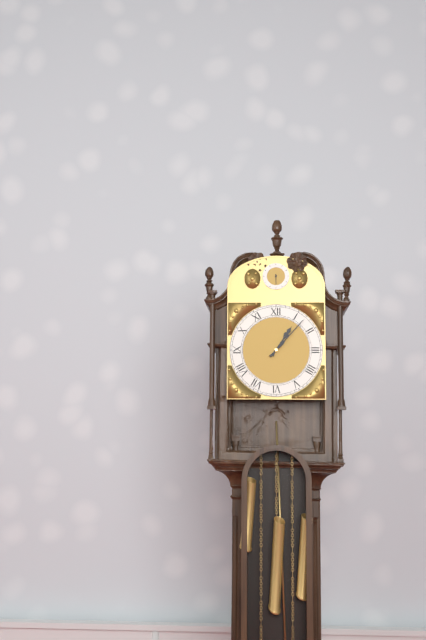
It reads 1h07
